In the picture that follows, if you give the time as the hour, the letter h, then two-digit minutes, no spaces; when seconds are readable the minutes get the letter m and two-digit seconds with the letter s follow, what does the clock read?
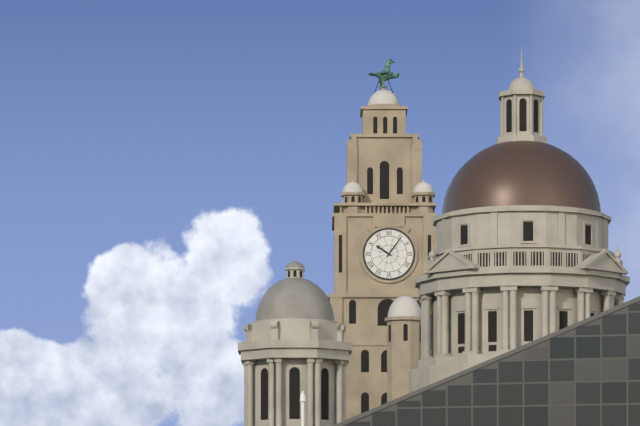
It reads 10h06
